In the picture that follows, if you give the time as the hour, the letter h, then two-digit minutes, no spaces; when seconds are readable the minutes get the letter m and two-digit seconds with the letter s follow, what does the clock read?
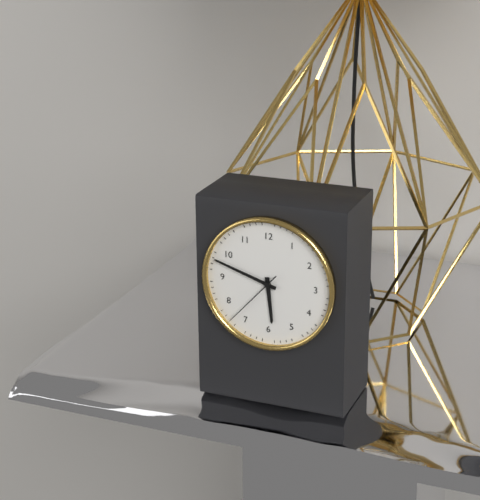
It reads 5h48m37s
